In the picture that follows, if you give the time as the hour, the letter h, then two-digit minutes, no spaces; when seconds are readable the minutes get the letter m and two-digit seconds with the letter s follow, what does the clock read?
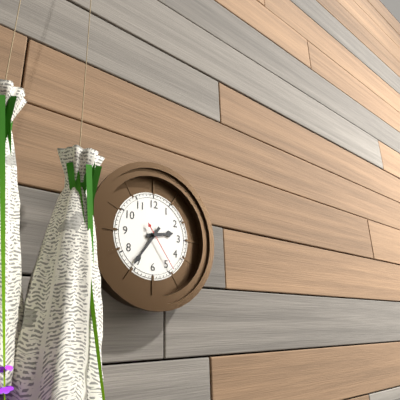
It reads 2h36
